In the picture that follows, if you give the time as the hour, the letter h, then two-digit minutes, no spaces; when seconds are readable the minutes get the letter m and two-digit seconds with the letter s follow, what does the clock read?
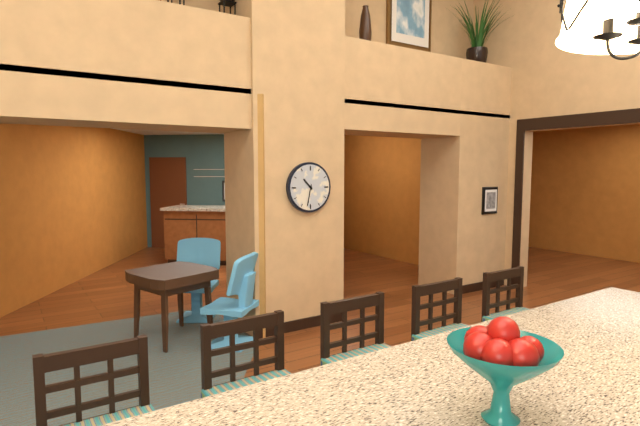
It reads 10h32
